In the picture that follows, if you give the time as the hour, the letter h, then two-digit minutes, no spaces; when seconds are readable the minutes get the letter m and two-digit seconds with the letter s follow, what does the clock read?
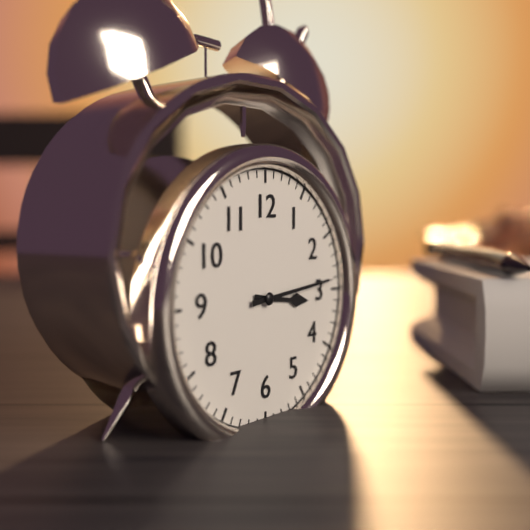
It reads 3h14
